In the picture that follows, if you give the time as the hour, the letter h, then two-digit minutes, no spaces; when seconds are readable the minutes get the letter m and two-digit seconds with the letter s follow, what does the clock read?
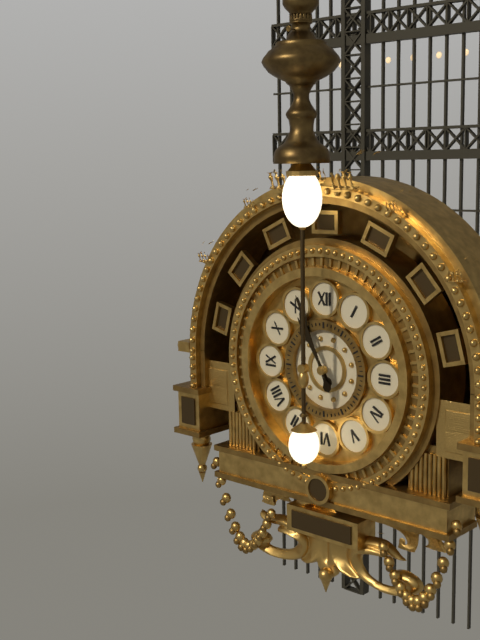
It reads 10h56
